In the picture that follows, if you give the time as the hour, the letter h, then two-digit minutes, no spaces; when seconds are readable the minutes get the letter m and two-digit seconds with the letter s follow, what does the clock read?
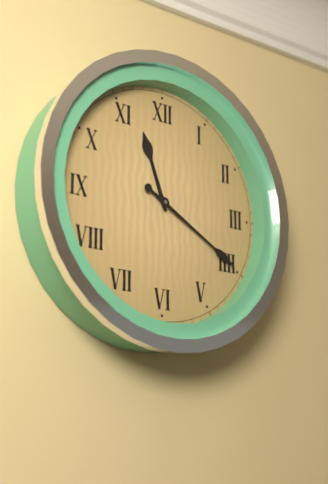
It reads 11h20
